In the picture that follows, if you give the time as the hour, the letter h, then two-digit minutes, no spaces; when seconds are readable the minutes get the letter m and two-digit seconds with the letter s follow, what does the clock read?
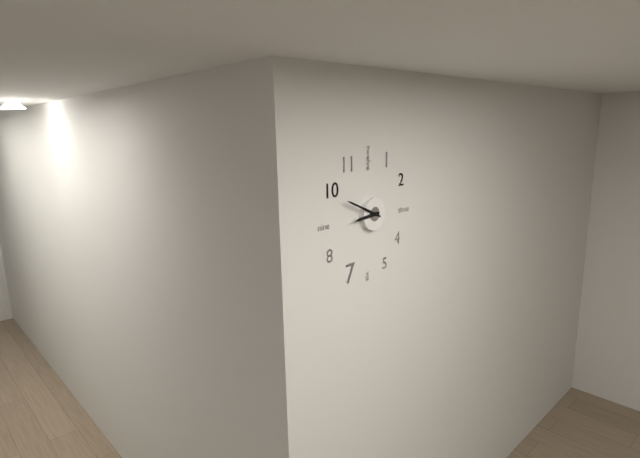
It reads 8h49
